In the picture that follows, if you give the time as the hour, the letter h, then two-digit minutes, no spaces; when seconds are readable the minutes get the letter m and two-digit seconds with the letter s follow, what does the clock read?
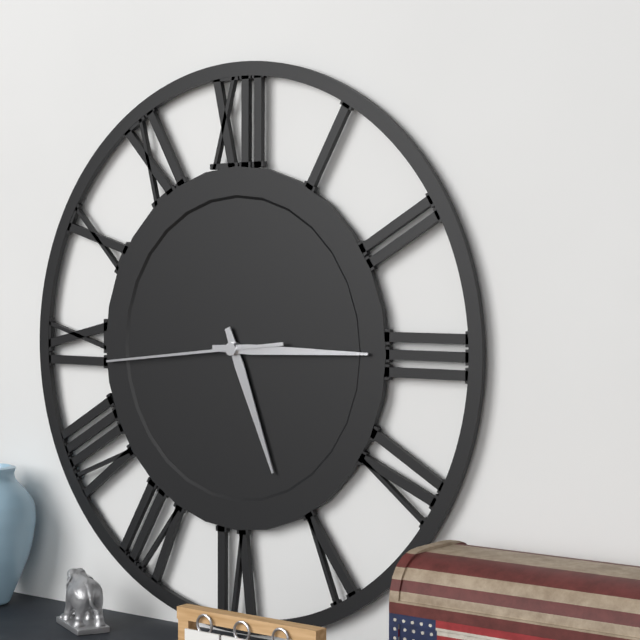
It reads 5h15m44s
